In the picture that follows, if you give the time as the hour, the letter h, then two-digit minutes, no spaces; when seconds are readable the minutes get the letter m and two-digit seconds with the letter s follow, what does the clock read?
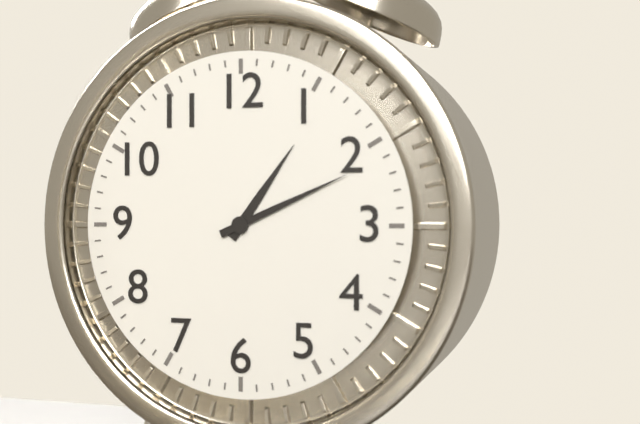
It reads 1h11
